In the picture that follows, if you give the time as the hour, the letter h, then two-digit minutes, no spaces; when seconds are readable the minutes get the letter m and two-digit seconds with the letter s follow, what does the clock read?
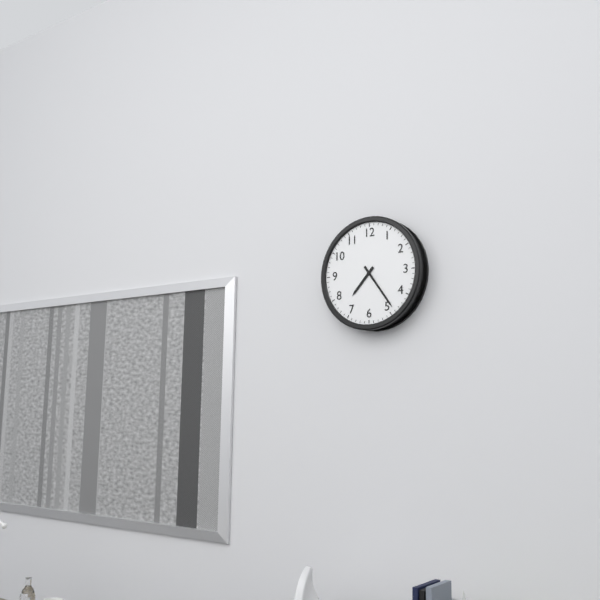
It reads 7h24
